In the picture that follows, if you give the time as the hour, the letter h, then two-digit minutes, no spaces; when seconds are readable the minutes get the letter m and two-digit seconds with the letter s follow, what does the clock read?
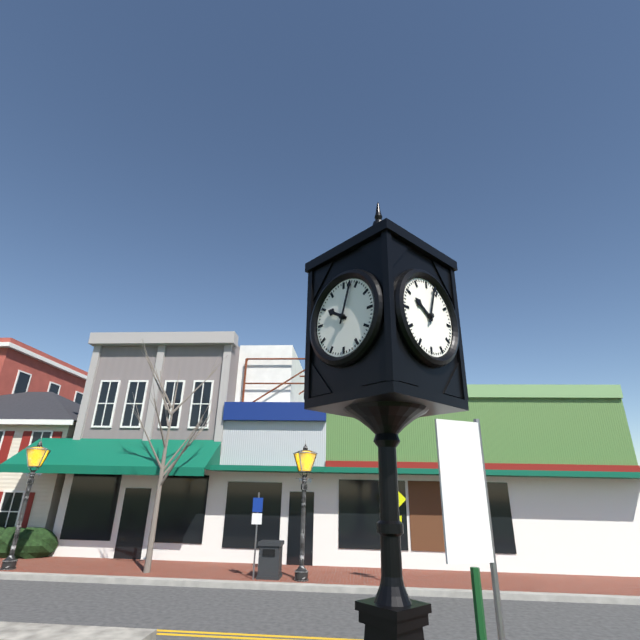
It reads 10h03
